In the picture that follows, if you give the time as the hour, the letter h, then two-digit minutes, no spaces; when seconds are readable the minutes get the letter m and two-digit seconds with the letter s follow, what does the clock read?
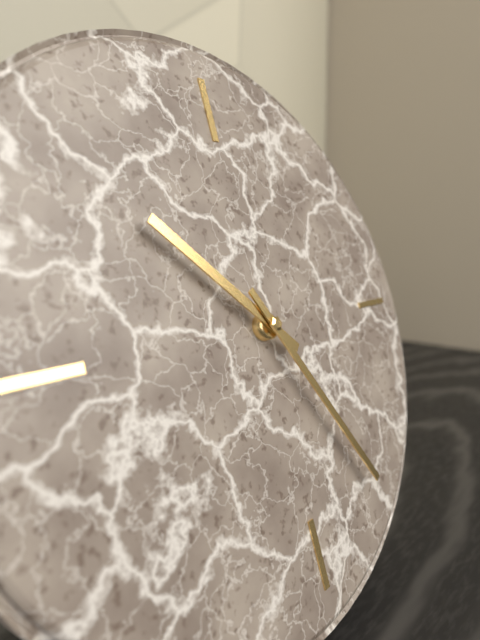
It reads 10h25
